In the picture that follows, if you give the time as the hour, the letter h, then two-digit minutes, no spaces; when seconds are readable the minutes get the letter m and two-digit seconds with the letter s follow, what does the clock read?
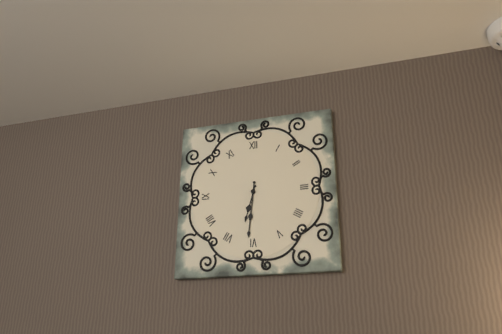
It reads 6h31
